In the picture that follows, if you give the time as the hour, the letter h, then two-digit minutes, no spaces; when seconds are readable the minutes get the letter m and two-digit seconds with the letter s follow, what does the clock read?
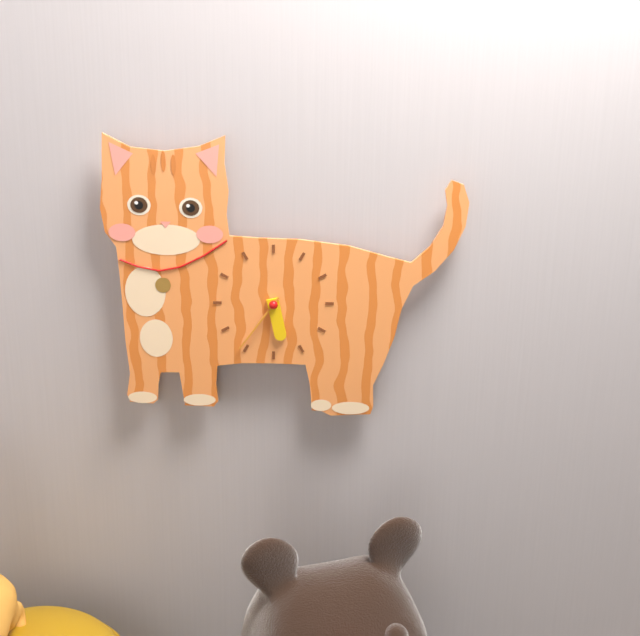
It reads 5h36
